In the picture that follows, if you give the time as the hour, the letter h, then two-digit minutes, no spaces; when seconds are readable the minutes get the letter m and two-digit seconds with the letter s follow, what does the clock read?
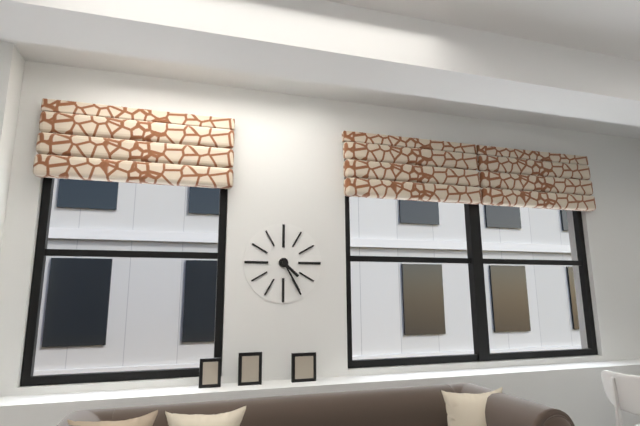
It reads 4h25
